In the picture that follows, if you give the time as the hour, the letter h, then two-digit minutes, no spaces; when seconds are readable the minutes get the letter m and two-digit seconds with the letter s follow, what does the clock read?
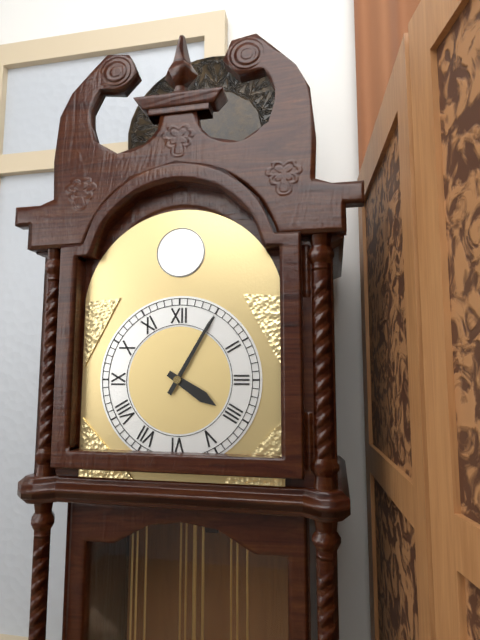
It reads 4h05
